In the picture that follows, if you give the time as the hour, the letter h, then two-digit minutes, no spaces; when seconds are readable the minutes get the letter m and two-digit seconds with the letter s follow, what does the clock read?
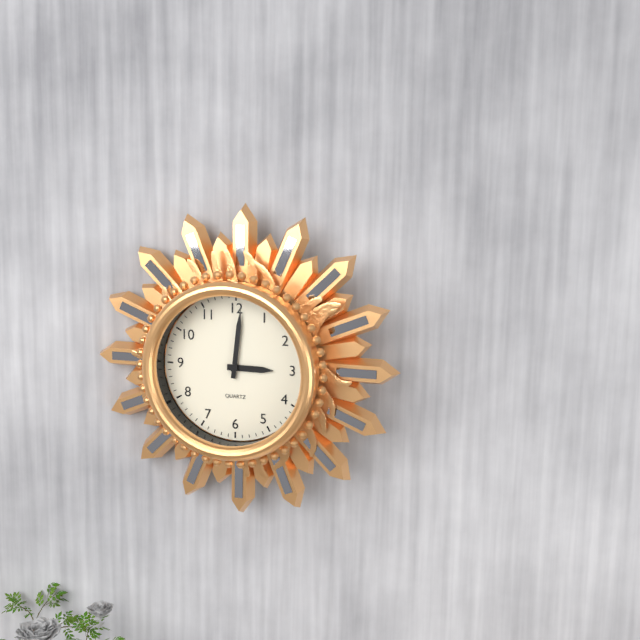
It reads 3h01
